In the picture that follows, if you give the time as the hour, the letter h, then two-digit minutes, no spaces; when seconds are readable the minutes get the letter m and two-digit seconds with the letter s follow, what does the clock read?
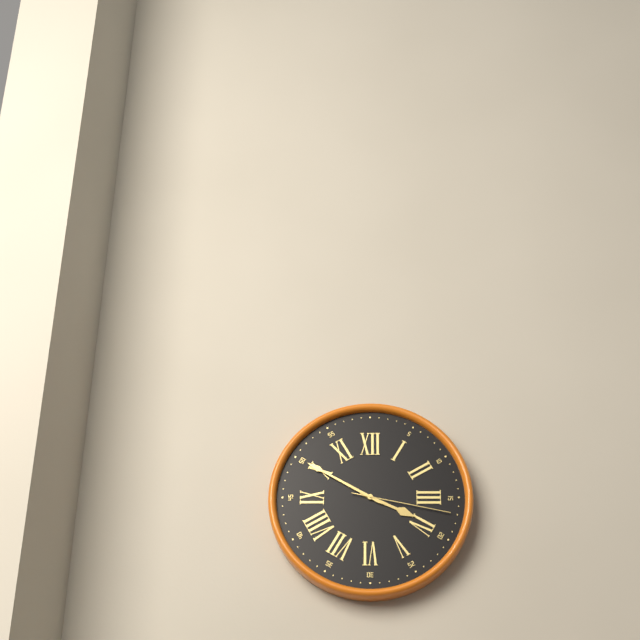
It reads 3h50m17s
